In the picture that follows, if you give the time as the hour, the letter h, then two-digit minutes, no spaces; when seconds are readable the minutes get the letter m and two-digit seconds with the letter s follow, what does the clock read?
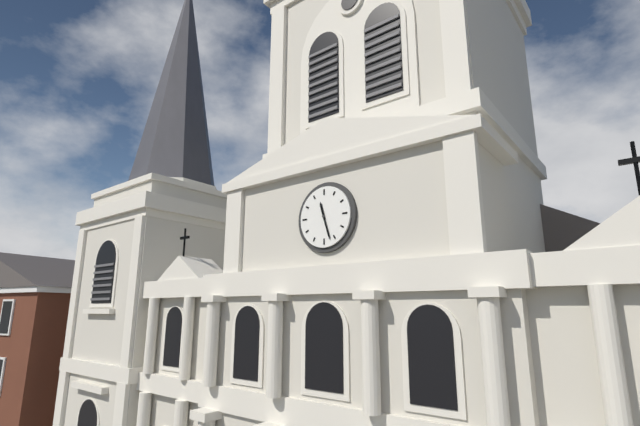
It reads 11h27
